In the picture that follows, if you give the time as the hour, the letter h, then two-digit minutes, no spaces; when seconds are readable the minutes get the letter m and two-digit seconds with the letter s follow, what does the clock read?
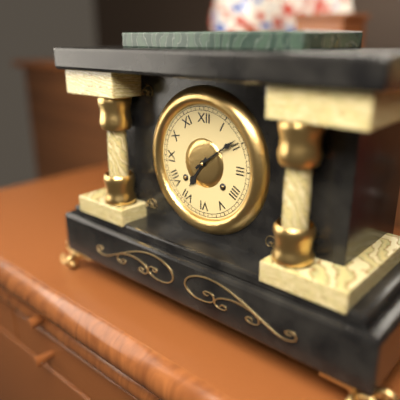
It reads 7h09
